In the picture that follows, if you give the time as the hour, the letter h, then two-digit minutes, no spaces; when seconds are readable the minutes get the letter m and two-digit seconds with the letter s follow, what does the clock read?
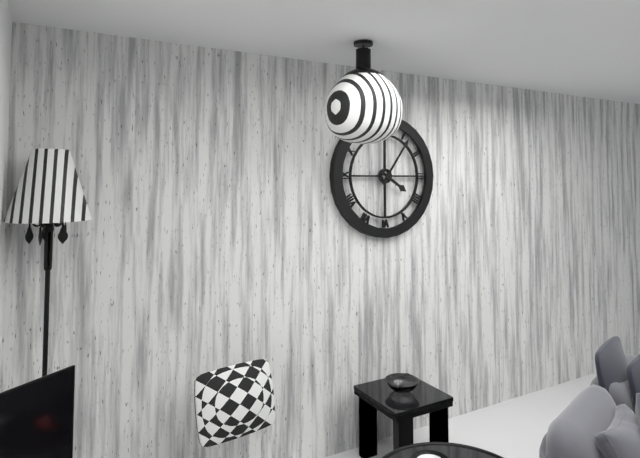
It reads 4h06
